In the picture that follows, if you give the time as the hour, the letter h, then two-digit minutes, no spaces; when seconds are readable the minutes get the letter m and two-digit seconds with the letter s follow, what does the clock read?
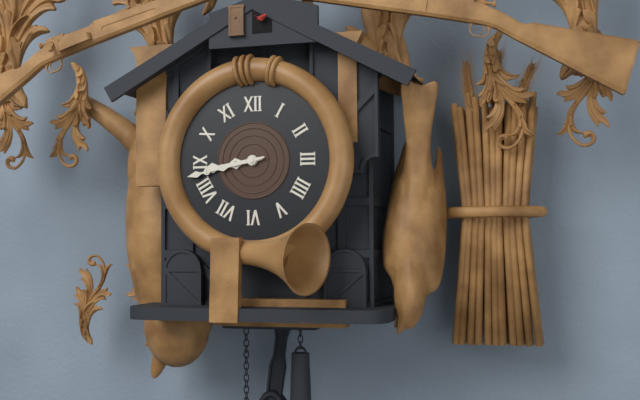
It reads 8h43
